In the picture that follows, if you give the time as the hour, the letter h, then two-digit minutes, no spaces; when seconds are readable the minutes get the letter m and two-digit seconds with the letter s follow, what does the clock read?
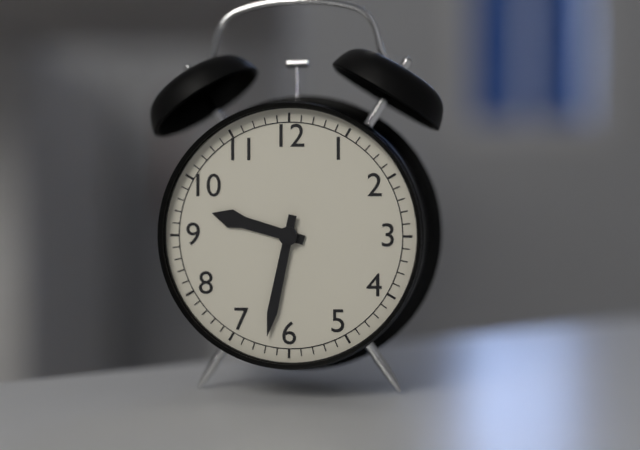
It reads 9h32
